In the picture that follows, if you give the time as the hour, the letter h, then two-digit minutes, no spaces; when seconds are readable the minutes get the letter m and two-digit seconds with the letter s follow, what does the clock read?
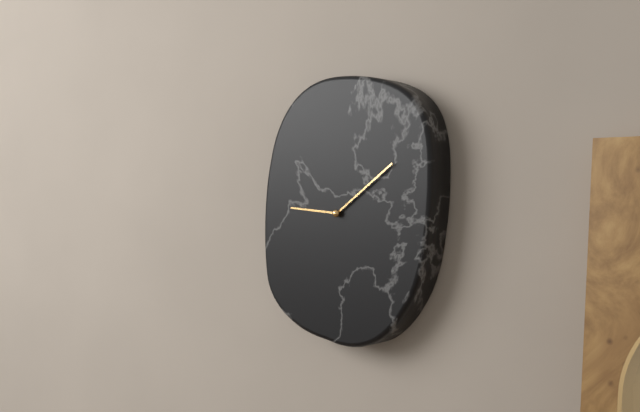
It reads 9h09
